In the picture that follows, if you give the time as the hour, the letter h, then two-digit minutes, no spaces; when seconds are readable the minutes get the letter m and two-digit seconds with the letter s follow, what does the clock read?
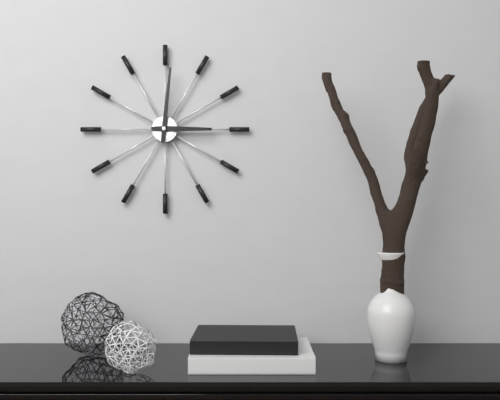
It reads 3h01
